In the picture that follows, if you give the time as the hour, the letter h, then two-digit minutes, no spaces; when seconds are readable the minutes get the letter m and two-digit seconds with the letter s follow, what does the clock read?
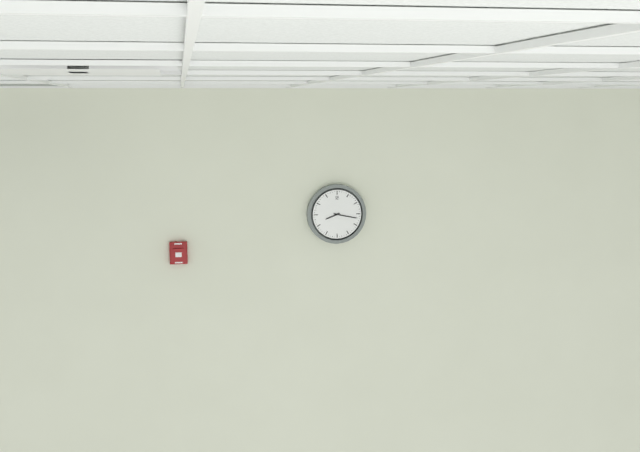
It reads 8h17
